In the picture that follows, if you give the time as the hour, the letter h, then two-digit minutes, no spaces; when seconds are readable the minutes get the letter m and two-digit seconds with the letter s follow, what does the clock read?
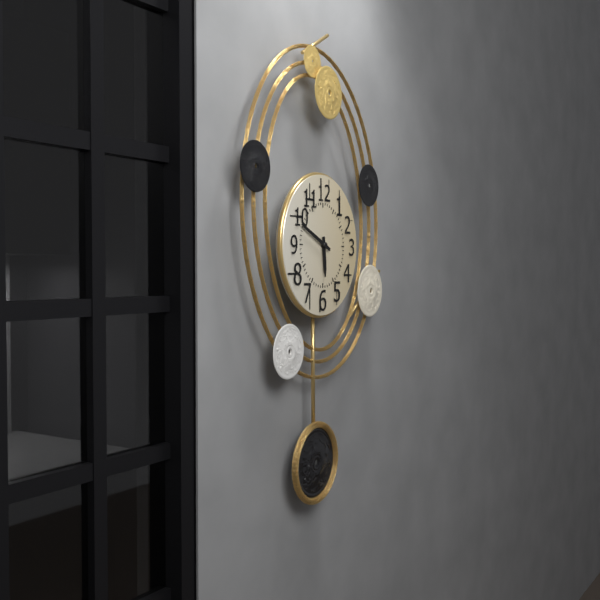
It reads 5h49
